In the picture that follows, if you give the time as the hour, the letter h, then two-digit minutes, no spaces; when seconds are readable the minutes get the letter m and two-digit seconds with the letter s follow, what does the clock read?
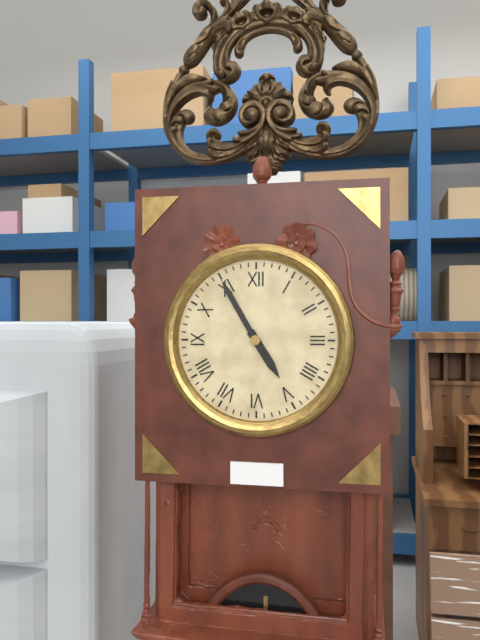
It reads 4h55
